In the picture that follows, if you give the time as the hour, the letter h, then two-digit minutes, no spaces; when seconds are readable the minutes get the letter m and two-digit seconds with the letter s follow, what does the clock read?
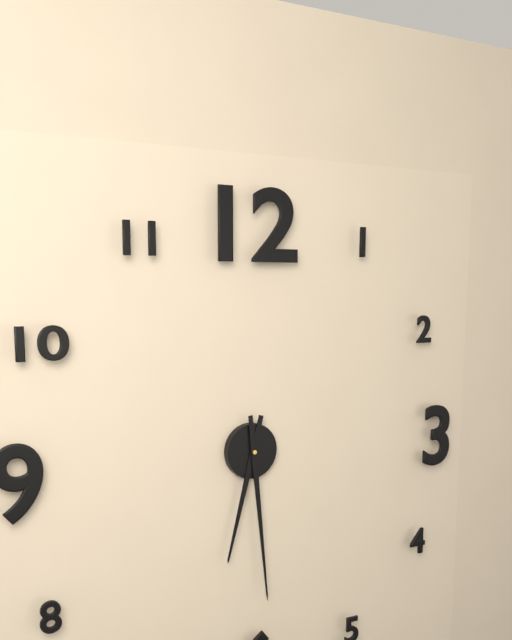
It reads 6h29
